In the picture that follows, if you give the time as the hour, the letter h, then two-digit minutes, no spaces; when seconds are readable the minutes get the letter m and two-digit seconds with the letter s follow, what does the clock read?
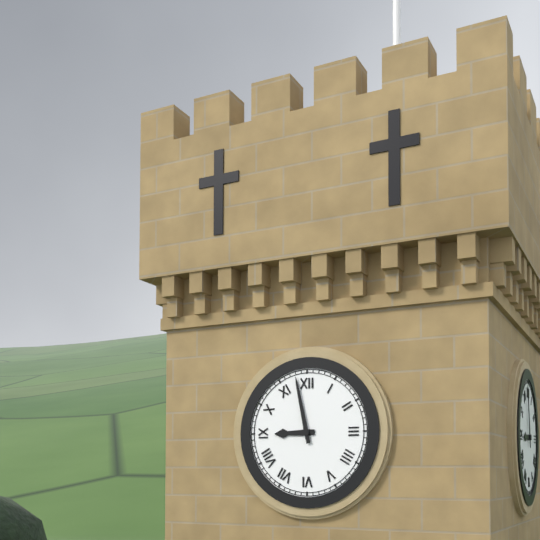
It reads 8h58
